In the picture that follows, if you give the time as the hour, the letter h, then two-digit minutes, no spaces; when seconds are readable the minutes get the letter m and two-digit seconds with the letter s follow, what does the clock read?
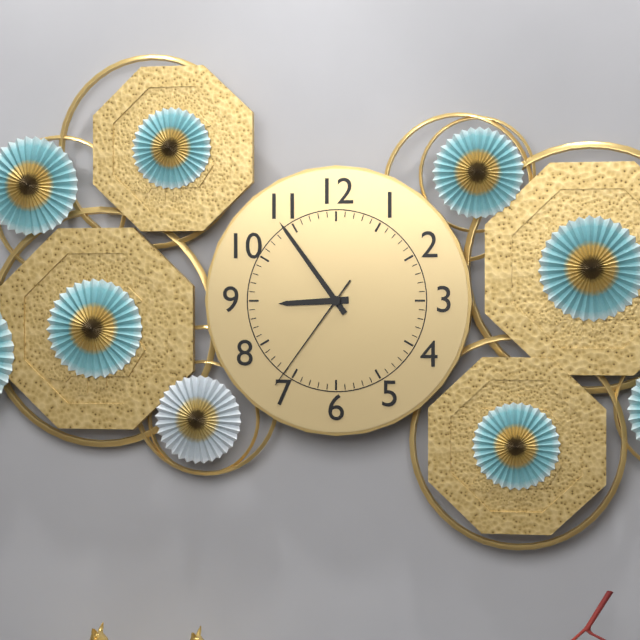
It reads 8h54m36s
